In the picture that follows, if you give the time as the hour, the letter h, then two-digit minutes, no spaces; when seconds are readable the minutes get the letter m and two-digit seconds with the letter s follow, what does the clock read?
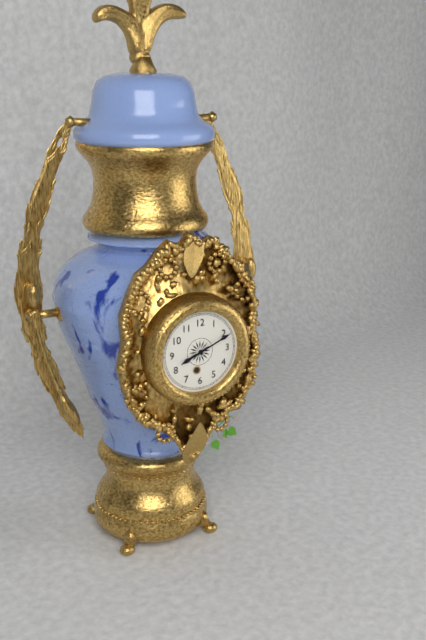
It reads 8h11
